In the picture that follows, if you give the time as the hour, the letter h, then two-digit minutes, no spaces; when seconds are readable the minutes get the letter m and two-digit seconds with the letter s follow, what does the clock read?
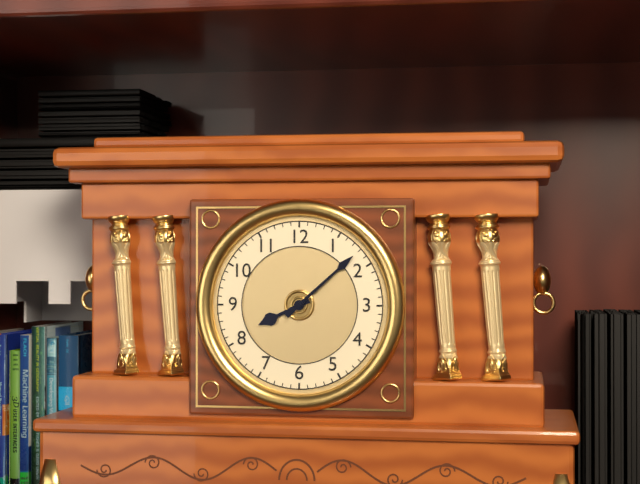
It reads 8h08
